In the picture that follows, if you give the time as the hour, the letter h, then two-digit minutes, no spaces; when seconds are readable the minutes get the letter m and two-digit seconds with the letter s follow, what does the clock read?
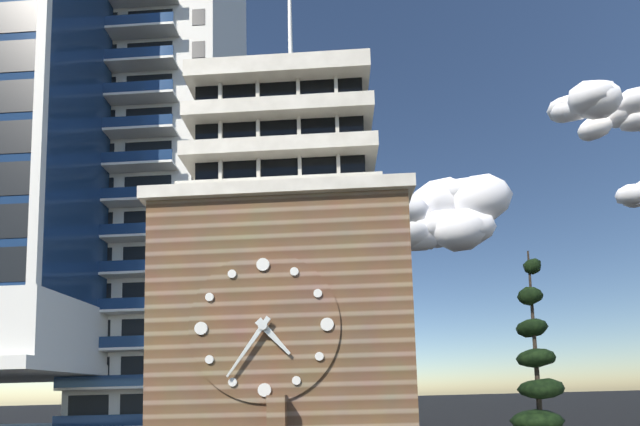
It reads 4h36
